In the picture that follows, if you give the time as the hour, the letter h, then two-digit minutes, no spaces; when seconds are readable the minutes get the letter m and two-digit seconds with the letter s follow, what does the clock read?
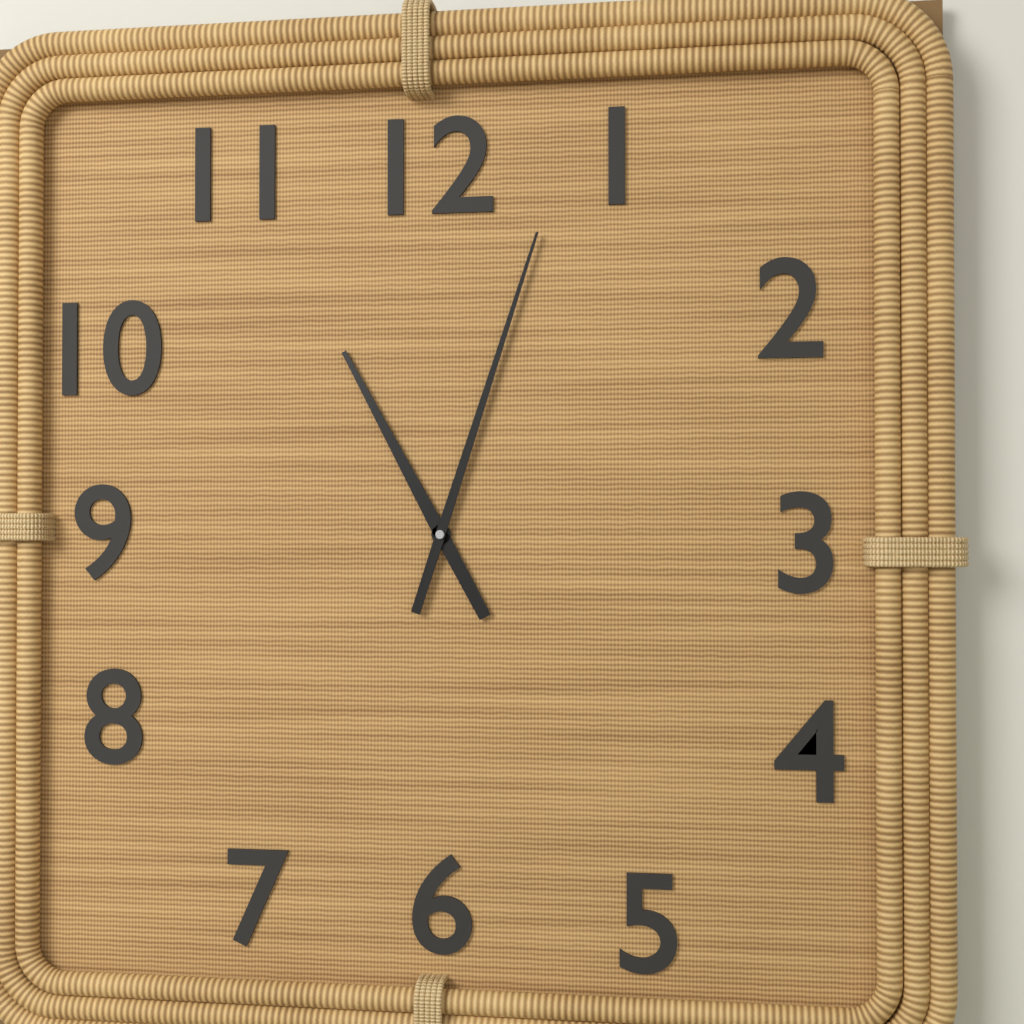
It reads 11h03
